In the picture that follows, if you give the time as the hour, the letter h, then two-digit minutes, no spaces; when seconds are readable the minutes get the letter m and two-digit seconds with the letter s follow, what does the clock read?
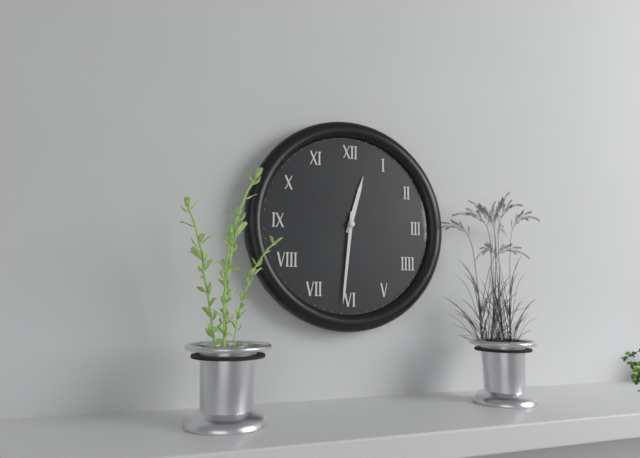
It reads 12h31
